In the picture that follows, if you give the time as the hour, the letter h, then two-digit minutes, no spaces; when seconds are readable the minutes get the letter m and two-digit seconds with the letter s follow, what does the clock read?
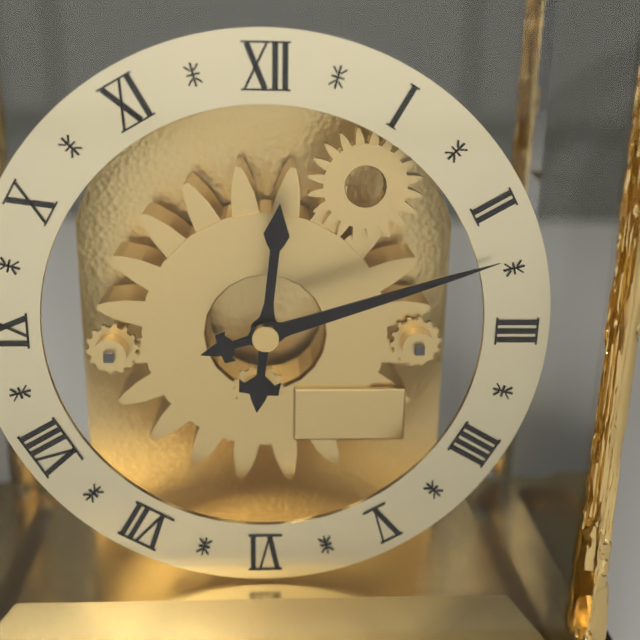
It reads 12h12
